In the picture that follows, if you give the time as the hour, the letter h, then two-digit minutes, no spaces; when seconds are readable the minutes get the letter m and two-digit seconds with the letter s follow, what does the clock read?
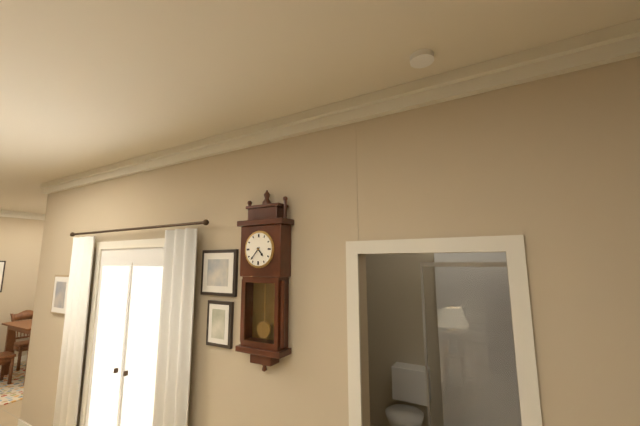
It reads 4h37
